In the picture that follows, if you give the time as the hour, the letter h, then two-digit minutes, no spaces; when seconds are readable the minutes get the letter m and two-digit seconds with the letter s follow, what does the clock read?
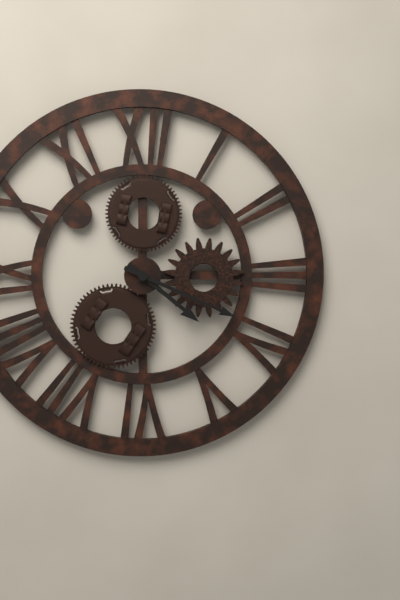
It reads 4h19
